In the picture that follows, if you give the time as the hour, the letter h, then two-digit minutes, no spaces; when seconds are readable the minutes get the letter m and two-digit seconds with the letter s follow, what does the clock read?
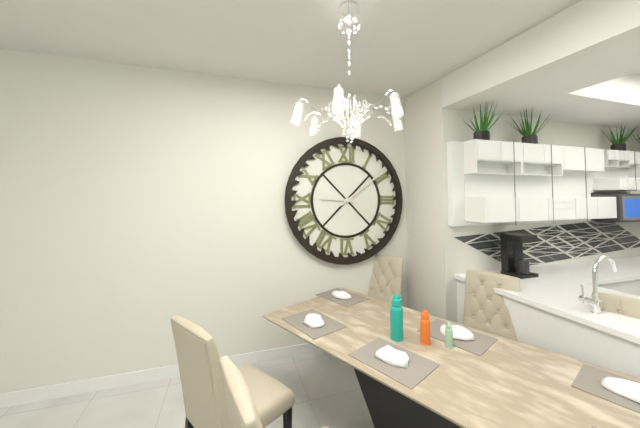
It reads 9h09
